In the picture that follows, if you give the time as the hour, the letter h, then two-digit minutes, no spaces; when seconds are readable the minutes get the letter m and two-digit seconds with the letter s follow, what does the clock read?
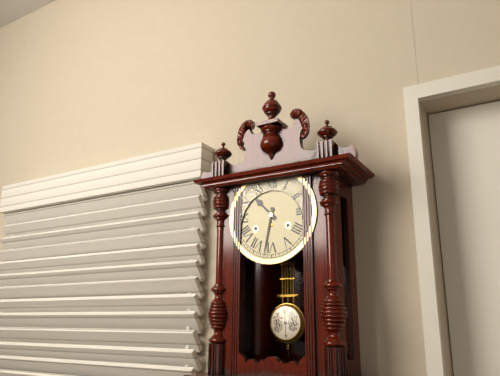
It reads 10h32
